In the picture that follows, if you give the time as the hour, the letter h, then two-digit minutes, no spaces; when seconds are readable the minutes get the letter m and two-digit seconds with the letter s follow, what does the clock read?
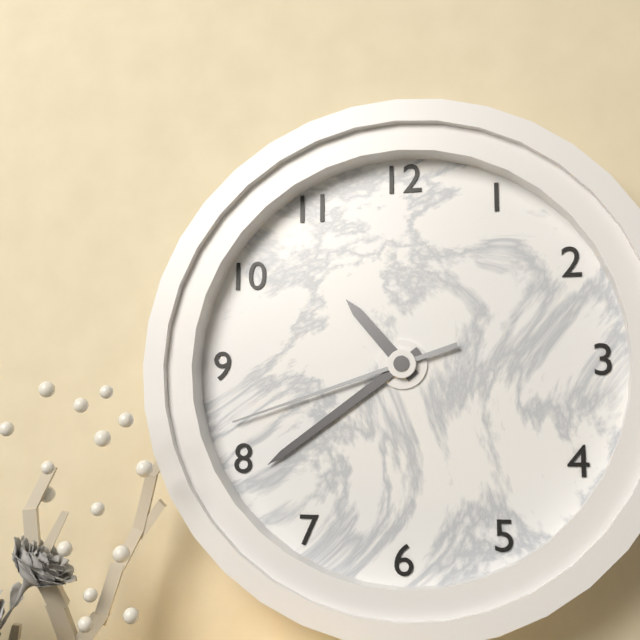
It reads 10h39m42s
